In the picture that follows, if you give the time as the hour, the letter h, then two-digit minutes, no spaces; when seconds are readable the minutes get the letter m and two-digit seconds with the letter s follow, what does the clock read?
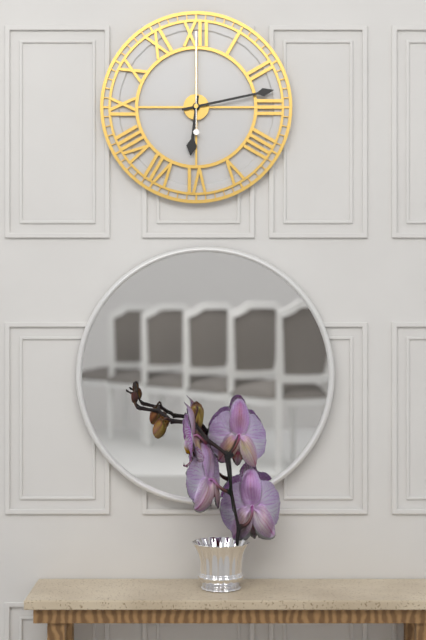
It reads 6h13m00s
